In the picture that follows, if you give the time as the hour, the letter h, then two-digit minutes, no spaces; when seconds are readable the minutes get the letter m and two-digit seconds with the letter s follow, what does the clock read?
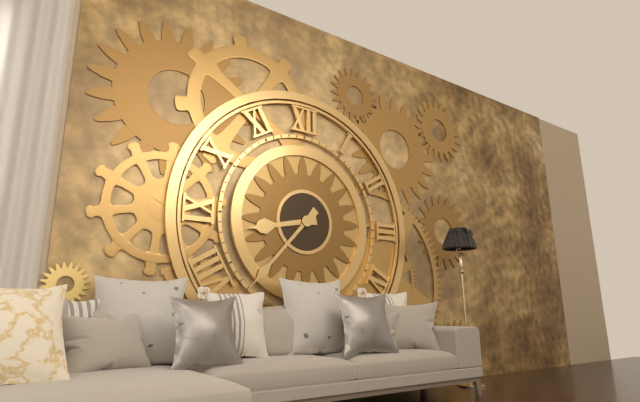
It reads 8h37
